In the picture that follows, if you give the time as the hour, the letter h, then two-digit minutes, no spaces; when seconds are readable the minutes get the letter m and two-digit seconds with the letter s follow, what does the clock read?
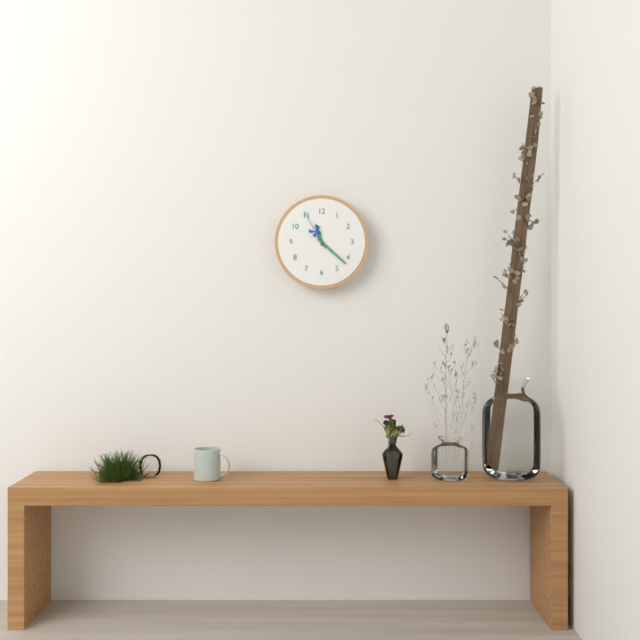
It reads 11h22
